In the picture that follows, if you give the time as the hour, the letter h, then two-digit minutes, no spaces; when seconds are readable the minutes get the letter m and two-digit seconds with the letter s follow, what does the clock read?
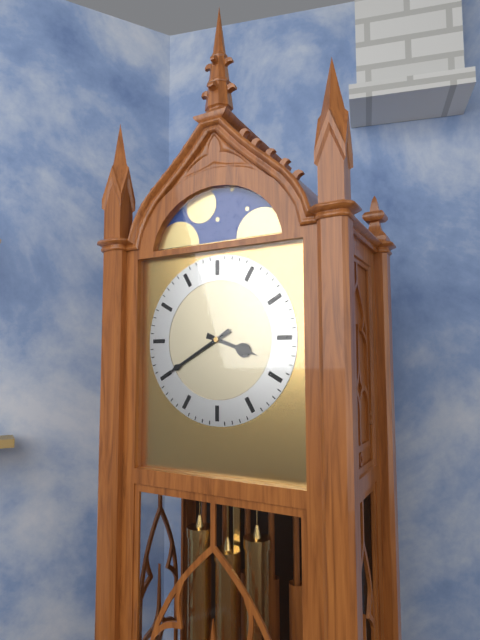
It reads 3h40
